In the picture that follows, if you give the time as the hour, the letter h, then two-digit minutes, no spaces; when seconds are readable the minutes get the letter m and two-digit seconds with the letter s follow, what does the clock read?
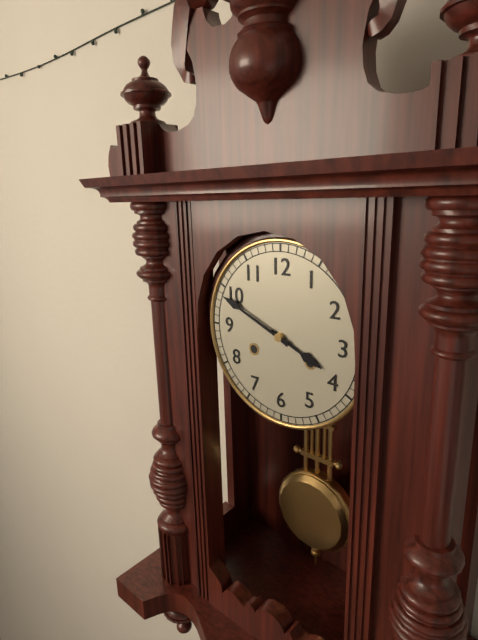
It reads 3h49
